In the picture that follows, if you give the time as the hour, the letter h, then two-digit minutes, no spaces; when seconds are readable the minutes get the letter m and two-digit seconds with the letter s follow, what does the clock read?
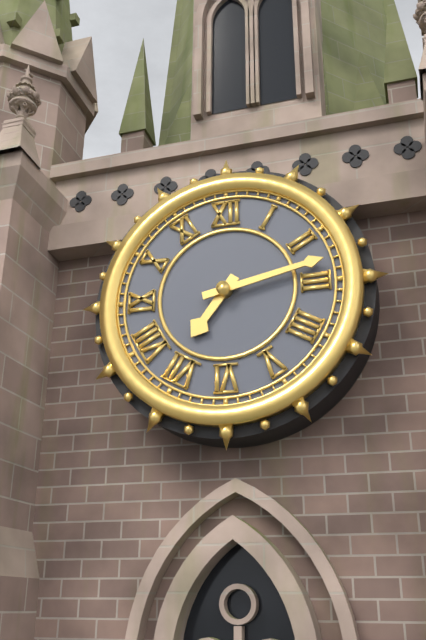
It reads 7h13
